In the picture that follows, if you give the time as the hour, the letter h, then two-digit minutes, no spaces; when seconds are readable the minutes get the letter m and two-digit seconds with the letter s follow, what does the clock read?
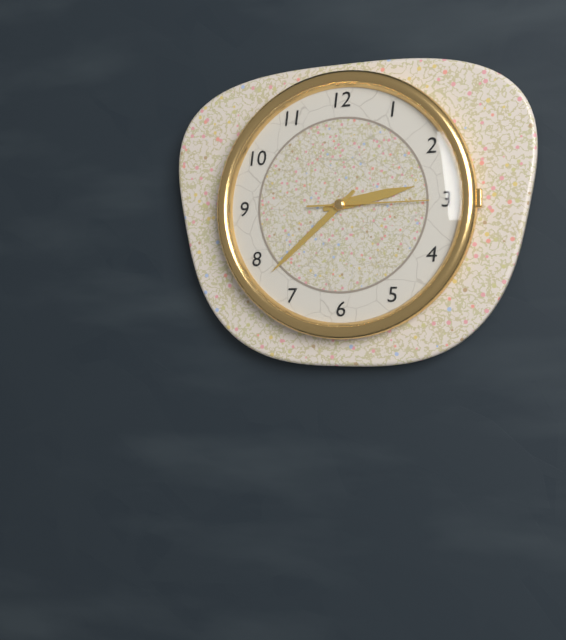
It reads 2h38m15s
